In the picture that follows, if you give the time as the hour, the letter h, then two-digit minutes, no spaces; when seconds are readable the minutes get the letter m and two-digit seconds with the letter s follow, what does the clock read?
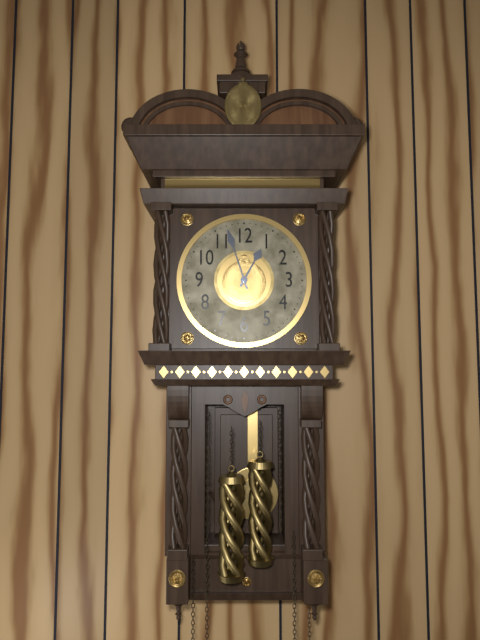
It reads 12h57
